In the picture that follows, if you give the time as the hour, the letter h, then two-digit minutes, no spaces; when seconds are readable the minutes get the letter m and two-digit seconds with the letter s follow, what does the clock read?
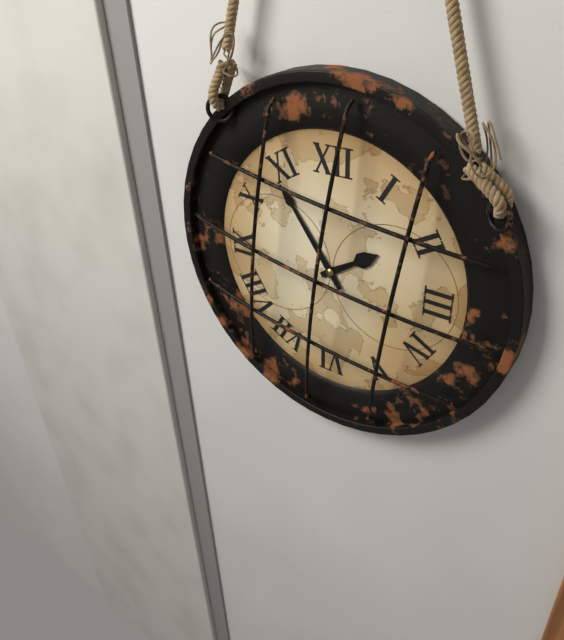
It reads 1h54
